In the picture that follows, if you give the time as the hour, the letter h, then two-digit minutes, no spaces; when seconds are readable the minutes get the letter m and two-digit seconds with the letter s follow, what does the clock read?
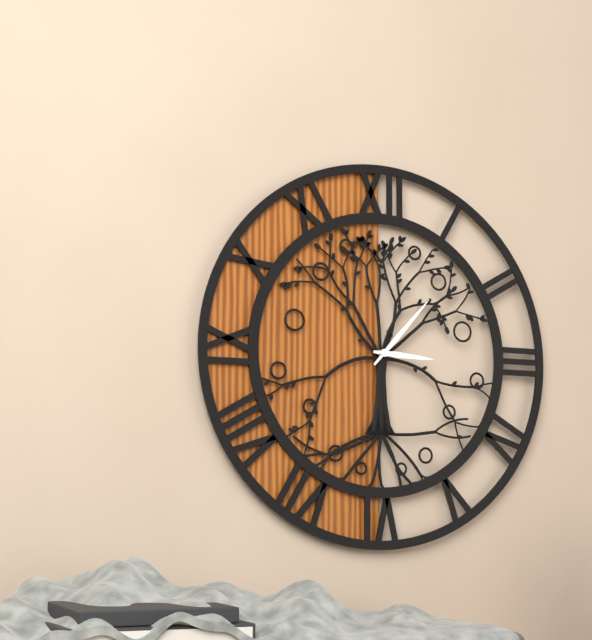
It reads 3h07
